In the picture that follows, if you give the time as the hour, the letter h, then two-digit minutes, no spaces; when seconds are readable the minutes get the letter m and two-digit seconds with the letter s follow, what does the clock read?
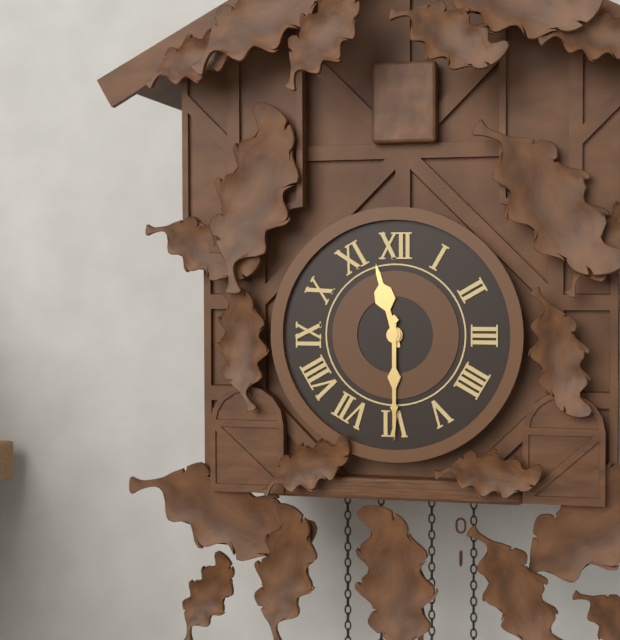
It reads 11h30
